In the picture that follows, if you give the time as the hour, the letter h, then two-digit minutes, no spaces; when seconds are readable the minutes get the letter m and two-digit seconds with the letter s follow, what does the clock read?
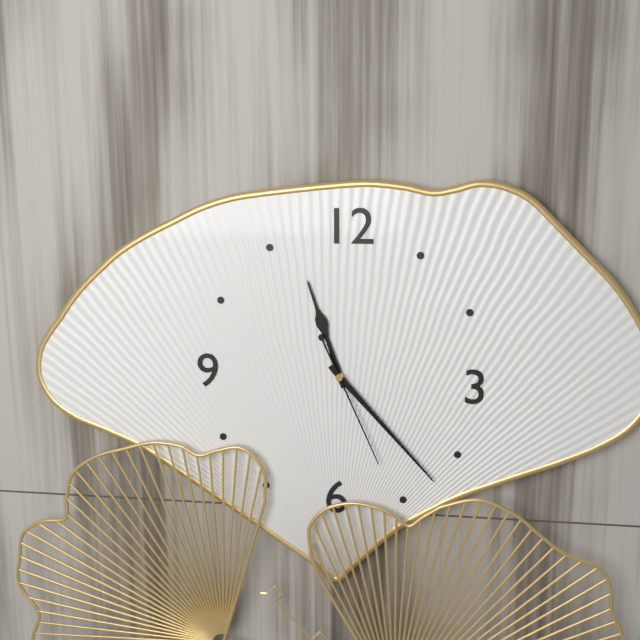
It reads 11h23m26s
